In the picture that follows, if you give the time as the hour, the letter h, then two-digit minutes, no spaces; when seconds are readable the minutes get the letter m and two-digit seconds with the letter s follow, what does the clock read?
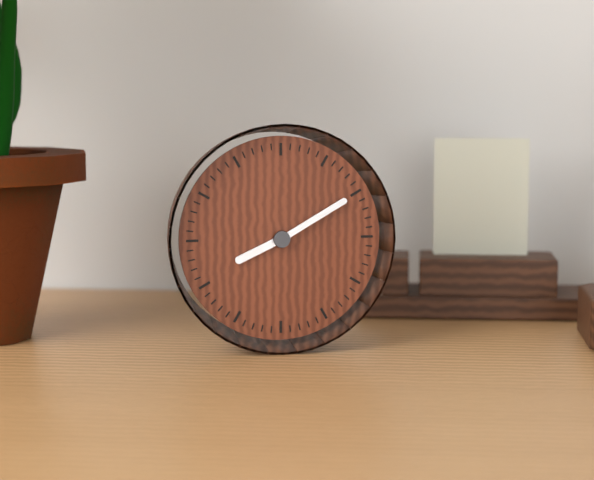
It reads 8h10
